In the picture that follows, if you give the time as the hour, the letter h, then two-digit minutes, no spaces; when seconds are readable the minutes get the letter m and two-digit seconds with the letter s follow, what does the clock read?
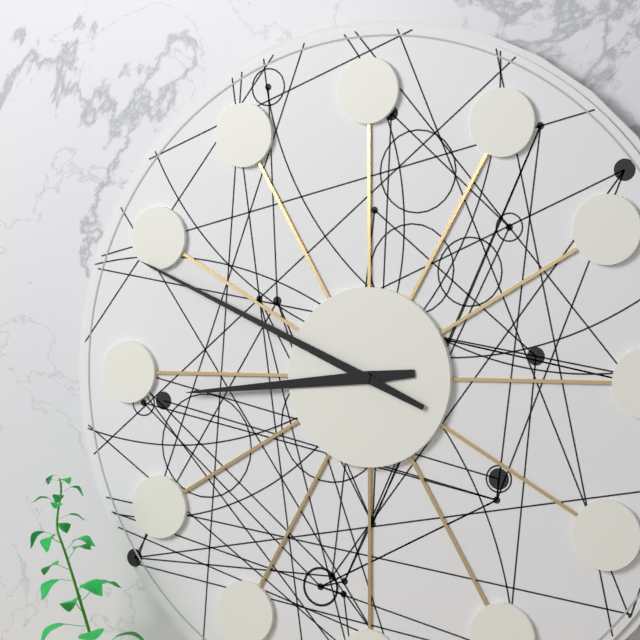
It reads 8h49
